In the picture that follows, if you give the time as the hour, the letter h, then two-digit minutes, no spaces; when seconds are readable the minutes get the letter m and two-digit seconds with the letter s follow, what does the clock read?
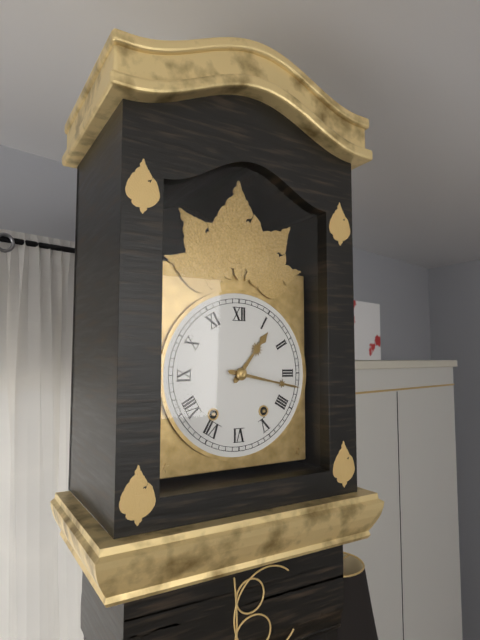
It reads 1h17
